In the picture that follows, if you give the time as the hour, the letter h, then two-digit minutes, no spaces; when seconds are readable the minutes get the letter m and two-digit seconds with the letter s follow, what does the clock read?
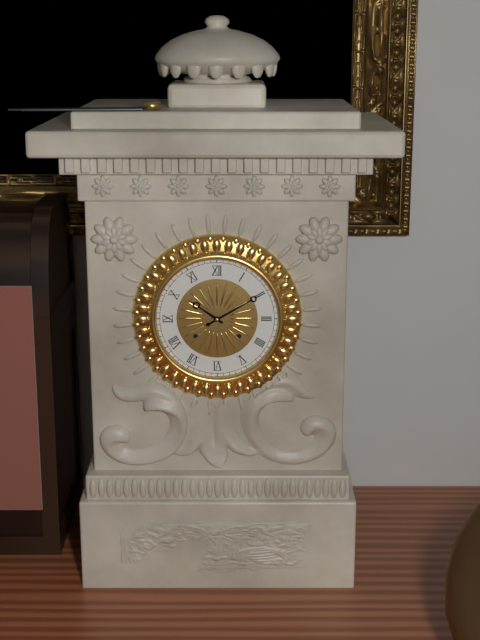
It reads 10h10
